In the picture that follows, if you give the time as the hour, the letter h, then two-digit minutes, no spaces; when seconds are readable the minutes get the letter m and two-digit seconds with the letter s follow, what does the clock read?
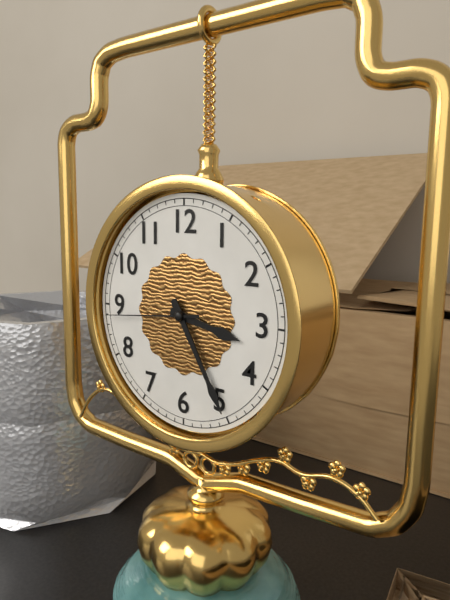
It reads 3h25m44s
